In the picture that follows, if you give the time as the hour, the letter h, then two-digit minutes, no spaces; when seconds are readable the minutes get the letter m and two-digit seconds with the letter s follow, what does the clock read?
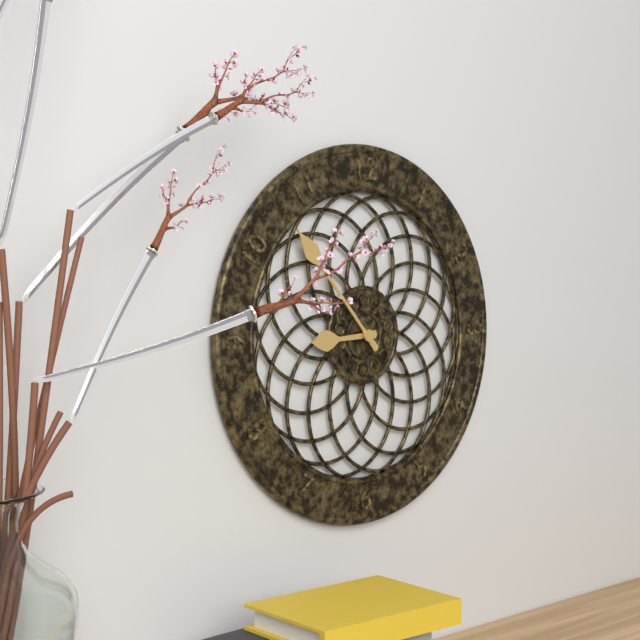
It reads 8h53
